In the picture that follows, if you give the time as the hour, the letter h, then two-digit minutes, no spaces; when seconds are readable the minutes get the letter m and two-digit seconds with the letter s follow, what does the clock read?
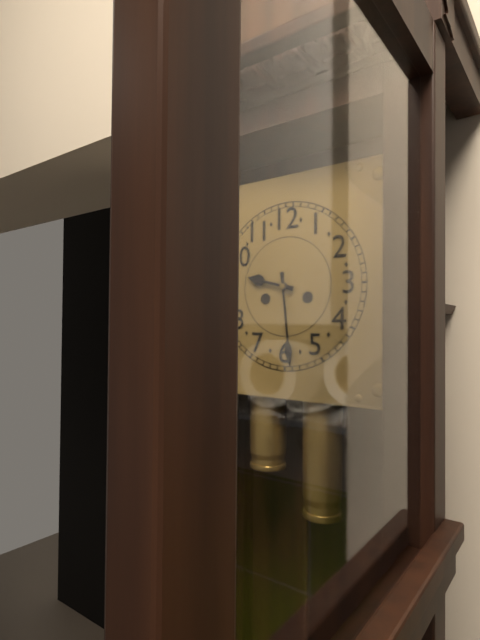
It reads 9h29
